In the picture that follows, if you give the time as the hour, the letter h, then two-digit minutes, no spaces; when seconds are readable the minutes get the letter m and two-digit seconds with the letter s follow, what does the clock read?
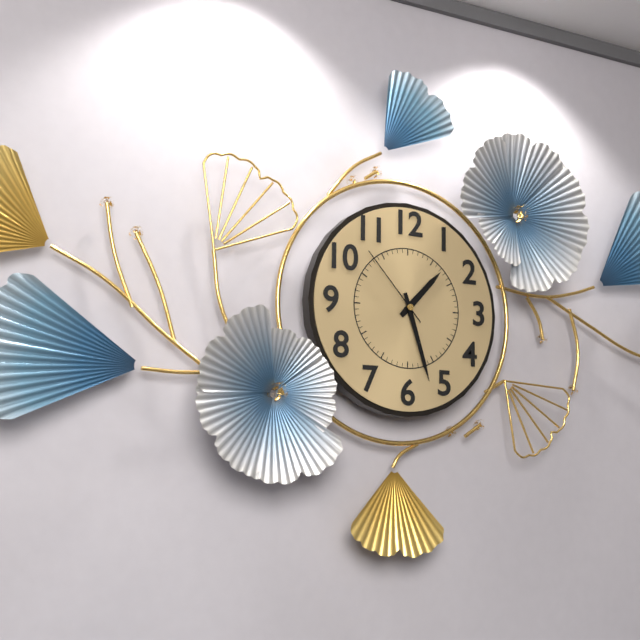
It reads 1h27m53s
